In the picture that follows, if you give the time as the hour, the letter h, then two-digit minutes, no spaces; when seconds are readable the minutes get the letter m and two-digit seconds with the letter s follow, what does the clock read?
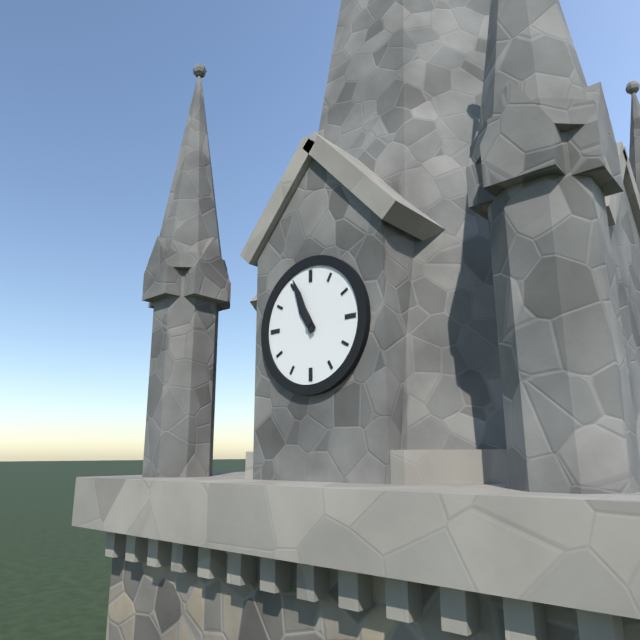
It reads 10h56
